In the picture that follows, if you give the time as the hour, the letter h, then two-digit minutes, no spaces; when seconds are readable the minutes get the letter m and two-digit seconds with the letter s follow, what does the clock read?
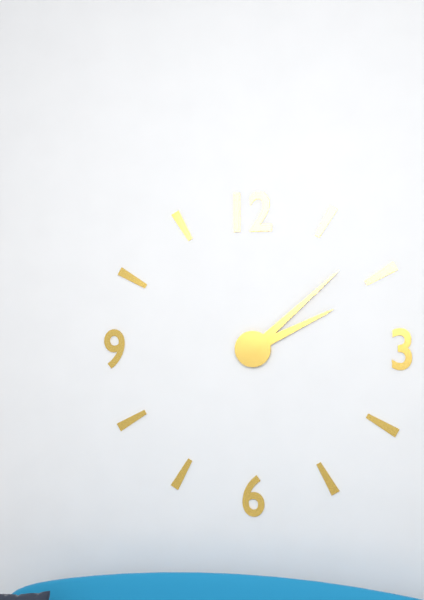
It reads 2h08
